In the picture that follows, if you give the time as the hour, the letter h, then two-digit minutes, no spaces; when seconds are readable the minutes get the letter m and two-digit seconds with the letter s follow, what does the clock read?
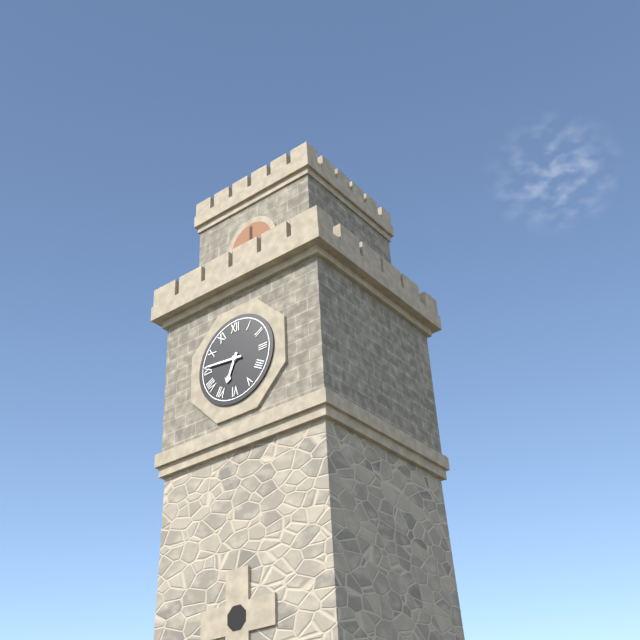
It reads 6h46
